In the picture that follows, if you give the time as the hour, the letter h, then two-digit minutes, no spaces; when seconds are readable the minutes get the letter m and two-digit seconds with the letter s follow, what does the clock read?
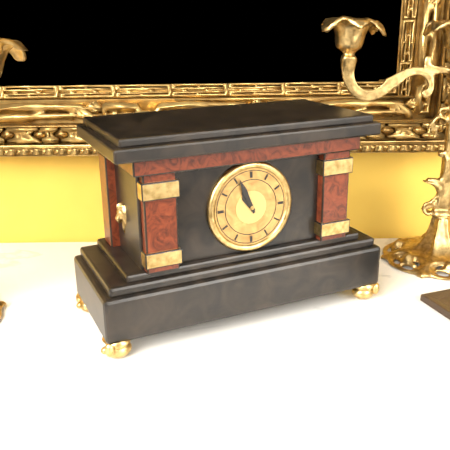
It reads 10h56
